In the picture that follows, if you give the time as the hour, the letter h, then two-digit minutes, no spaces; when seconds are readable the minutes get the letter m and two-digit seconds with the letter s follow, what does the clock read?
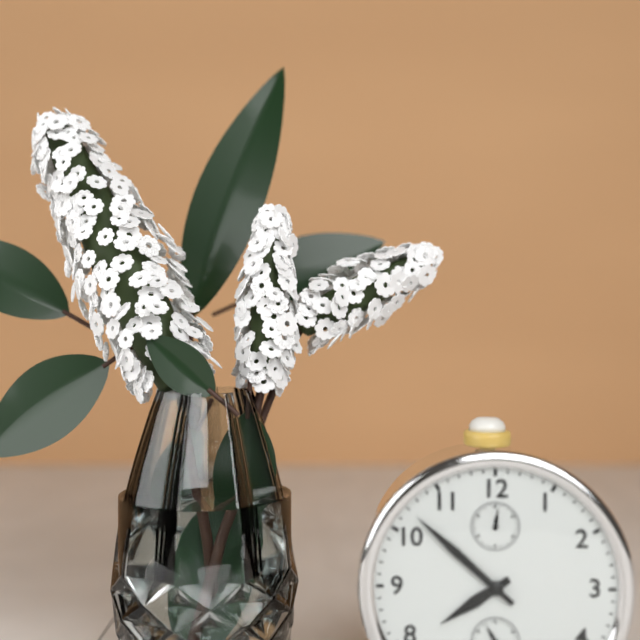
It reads 7h52
